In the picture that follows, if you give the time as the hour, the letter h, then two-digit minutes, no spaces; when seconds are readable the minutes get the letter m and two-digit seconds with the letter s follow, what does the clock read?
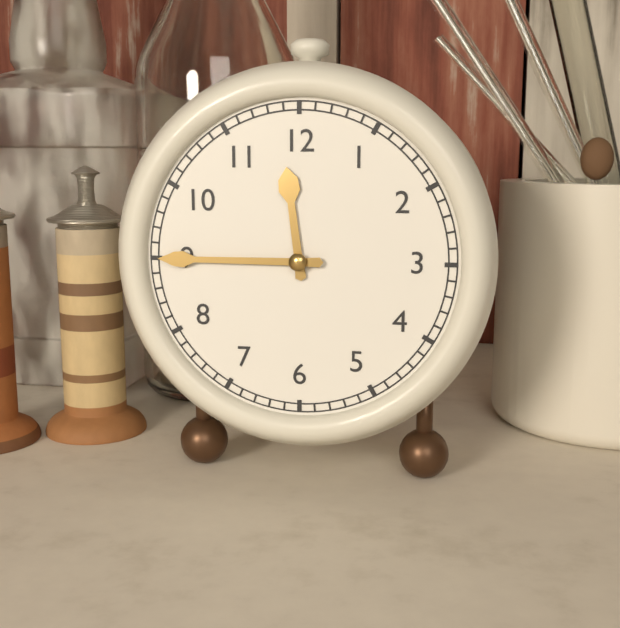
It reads 11h45
